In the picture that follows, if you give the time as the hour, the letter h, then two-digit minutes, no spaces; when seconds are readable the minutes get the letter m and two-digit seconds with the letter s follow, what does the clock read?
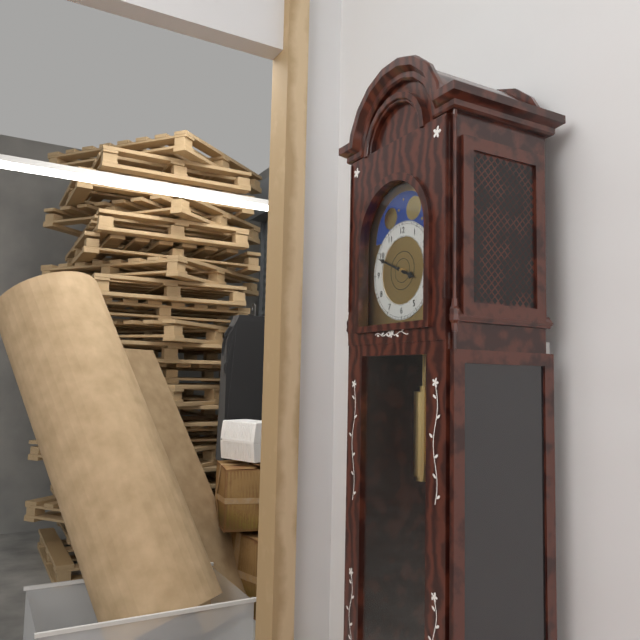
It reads 3h49
